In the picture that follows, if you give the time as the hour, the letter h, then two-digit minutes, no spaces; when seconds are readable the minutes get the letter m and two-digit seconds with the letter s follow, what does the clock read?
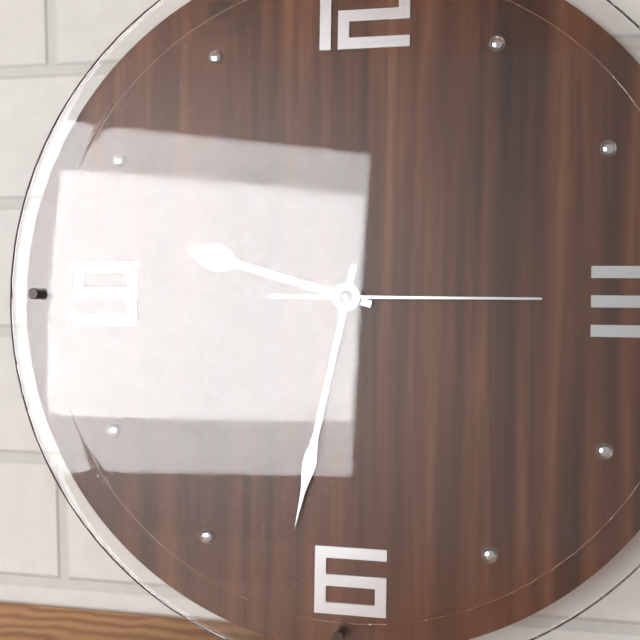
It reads 9h32m15s
